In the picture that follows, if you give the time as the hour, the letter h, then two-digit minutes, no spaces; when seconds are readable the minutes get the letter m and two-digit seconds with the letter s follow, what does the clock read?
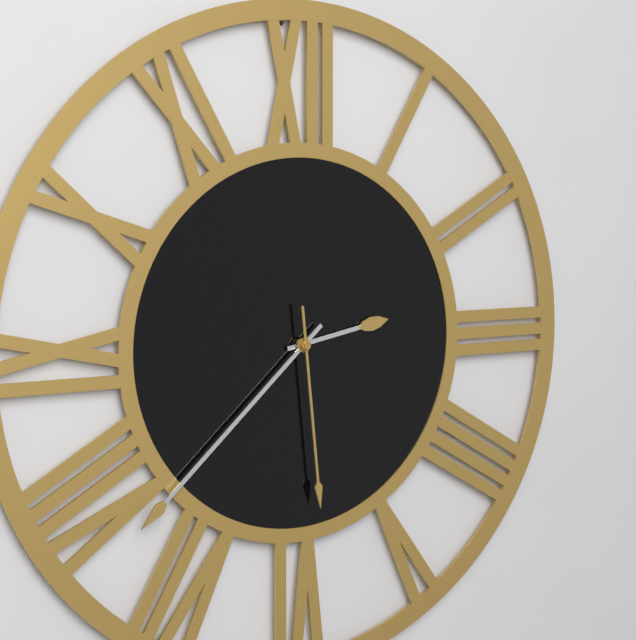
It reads 2h38m29s
